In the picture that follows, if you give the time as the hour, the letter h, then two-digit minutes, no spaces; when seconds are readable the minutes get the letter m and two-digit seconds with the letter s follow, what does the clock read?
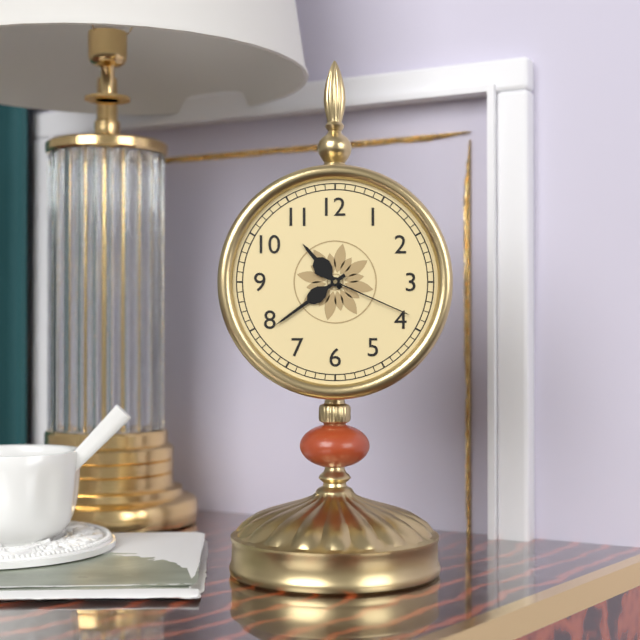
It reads 10h39m19s
